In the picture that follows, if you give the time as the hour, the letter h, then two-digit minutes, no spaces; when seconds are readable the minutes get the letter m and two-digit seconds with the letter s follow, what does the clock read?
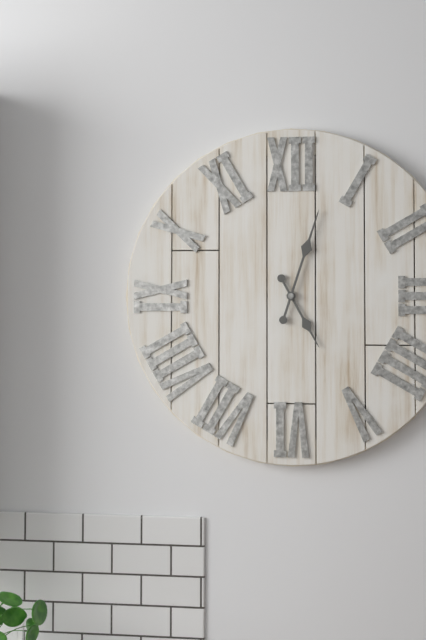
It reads 5h03
